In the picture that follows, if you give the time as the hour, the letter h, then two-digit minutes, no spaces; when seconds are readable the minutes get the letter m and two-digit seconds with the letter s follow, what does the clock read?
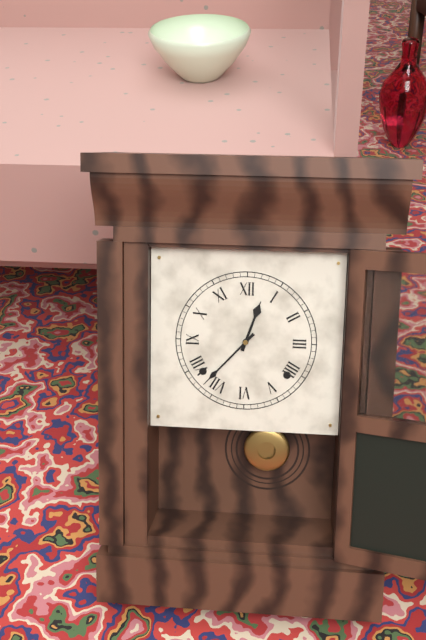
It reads 12h37
